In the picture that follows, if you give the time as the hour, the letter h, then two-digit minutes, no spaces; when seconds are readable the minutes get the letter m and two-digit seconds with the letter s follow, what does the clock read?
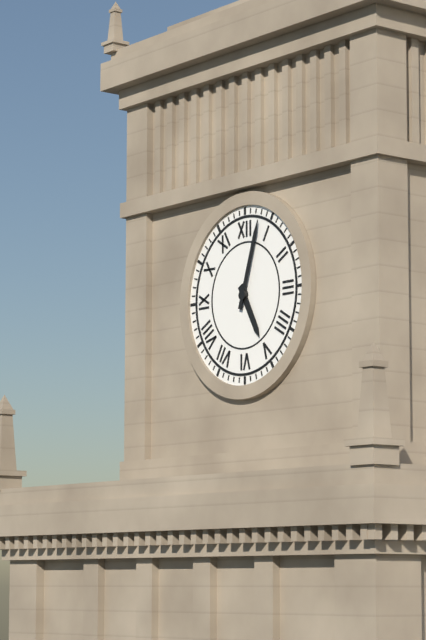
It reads 5h03
